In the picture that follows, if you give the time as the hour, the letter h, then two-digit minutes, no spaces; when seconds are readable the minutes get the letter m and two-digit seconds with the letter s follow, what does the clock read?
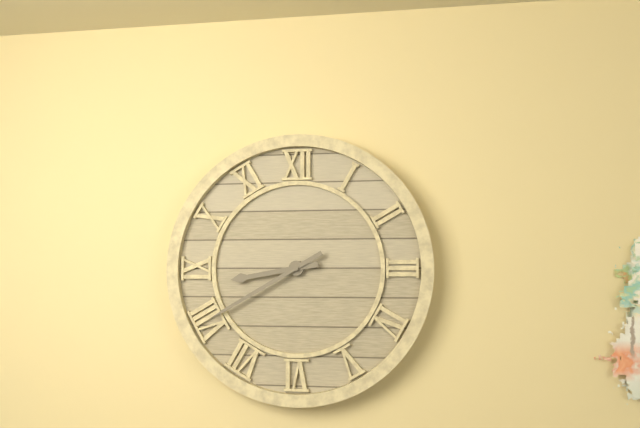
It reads 8h40
